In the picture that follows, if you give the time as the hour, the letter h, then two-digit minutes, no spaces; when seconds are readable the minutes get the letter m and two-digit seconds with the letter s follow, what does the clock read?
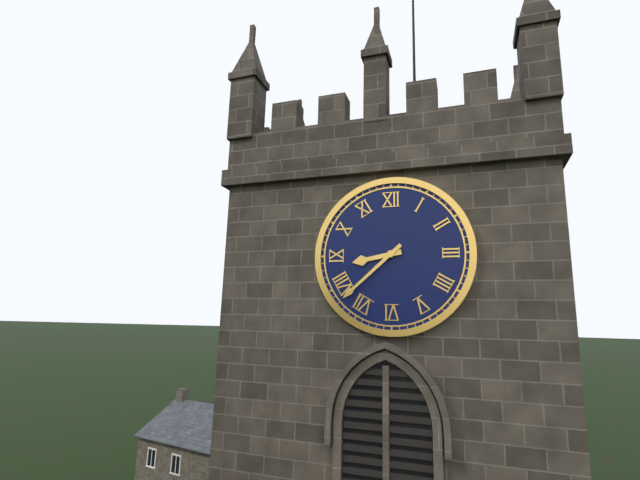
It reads 8h38
